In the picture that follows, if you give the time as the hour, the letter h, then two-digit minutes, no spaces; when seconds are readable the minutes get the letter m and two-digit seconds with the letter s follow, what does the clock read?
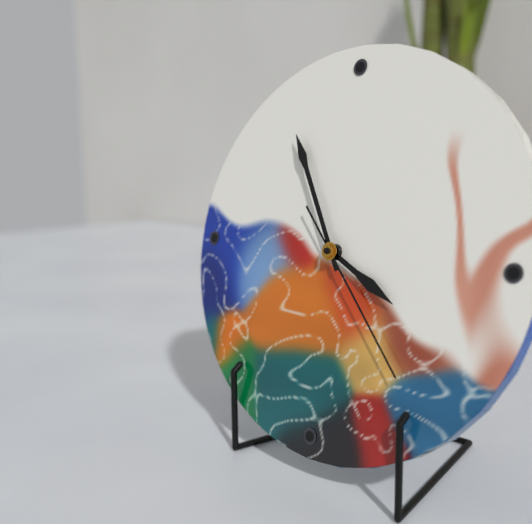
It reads 3h55m23s
